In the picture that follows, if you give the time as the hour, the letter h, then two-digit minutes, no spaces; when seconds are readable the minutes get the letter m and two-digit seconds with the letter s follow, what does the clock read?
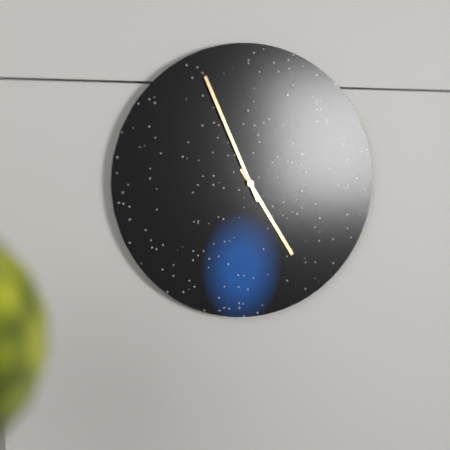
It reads 4h56
